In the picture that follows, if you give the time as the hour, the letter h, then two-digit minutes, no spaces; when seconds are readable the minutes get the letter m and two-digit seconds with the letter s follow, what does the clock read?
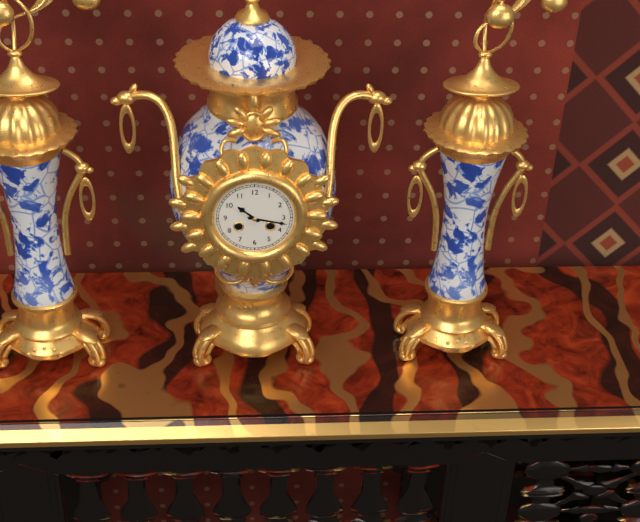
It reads 10h17
